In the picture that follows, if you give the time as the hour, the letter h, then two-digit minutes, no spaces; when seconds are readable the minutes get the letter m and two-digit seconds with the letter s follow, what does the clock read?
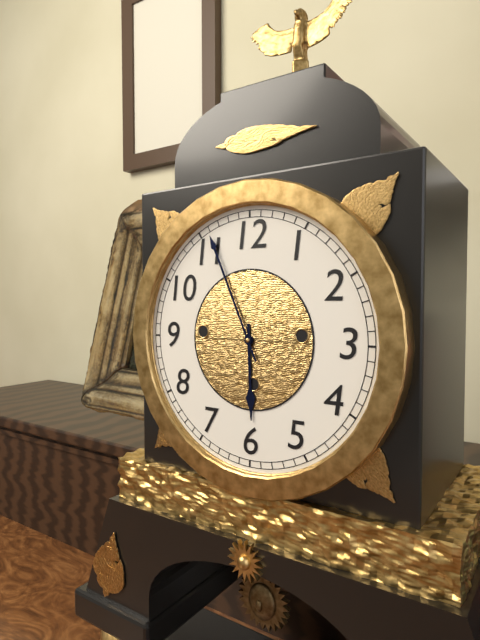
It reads 5h56
